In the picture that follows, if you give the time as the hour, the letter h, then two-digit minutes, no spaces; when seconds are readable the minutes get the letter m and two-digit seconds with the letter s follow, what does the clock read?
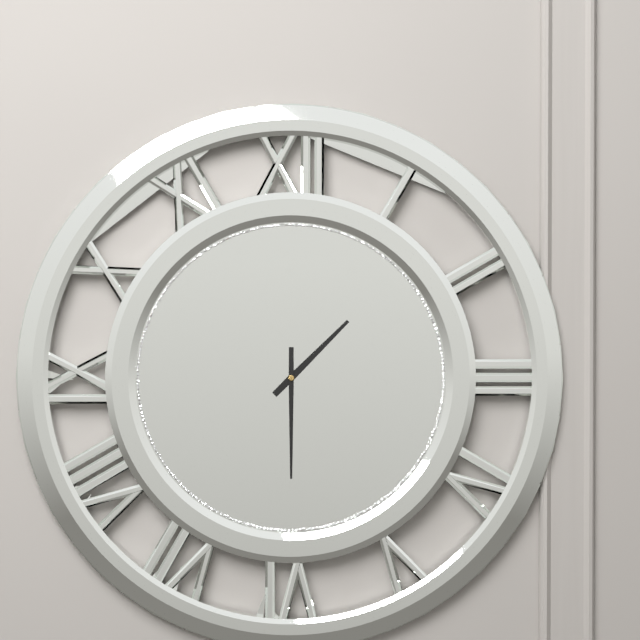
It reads 1h30
